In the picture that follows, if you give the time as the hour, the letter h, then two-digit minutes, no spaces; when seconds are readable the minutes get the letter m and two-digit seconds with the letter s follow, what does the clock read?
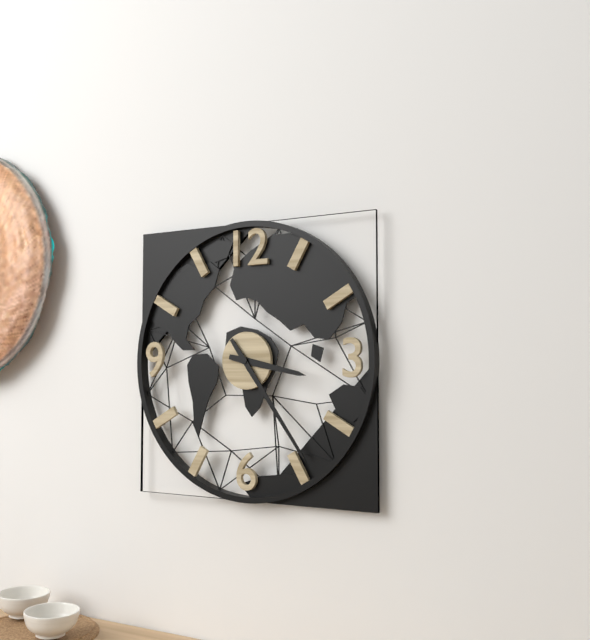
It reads 3h24
